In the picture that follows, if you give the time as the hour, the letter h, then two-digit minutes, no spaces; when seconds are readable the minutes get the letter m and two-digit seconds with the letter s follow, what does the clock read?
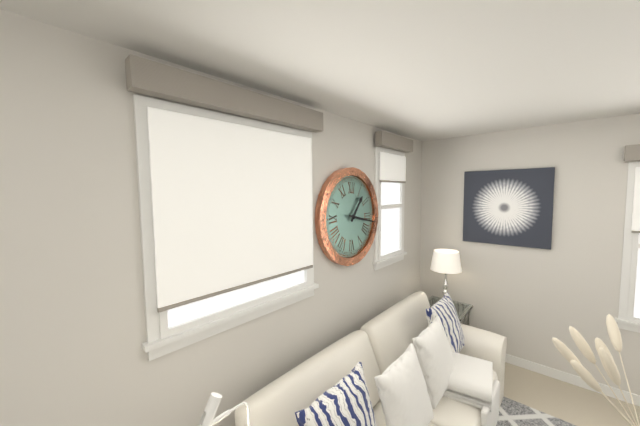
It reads 1h17
